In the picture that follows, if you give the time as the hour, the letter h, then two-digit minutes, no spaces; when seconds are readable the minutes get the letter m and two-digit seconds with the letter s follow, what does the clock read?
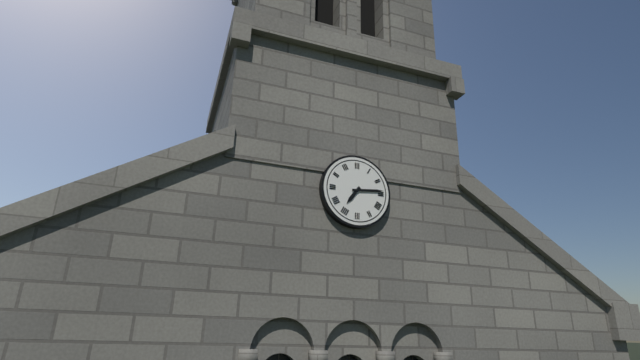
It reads 7h14
